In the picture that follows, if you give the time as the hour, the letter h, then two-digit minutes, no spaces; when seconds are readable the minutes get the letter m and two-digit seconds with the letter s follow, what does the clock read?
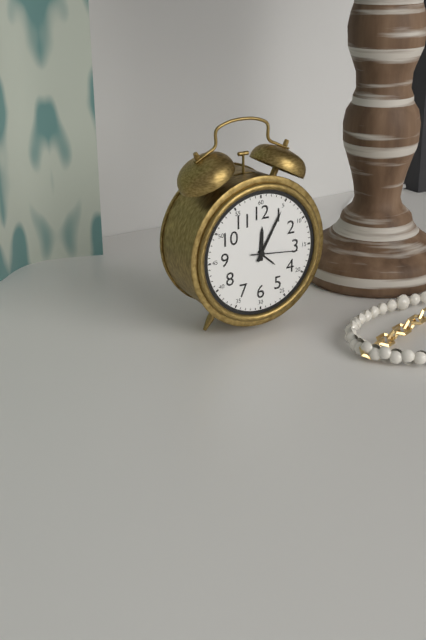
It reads 12h05
